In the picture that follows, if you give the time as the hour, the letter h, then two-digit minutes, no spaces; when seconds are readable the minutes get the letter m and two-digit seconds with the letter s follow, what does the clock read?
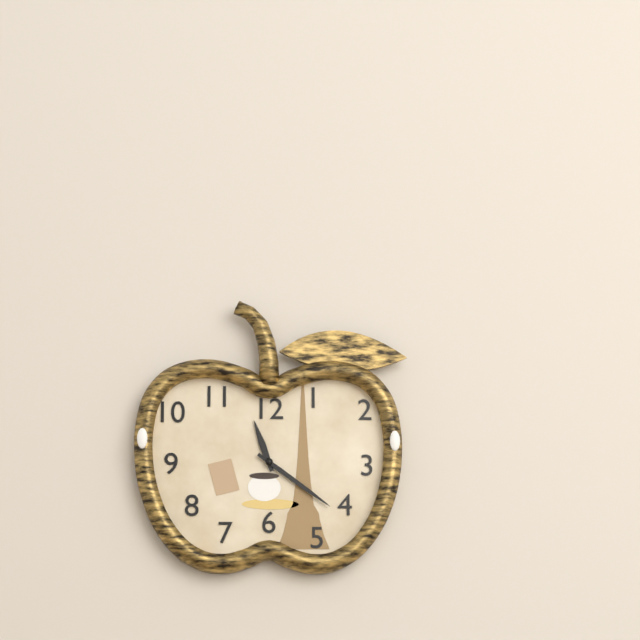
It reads 11h21
